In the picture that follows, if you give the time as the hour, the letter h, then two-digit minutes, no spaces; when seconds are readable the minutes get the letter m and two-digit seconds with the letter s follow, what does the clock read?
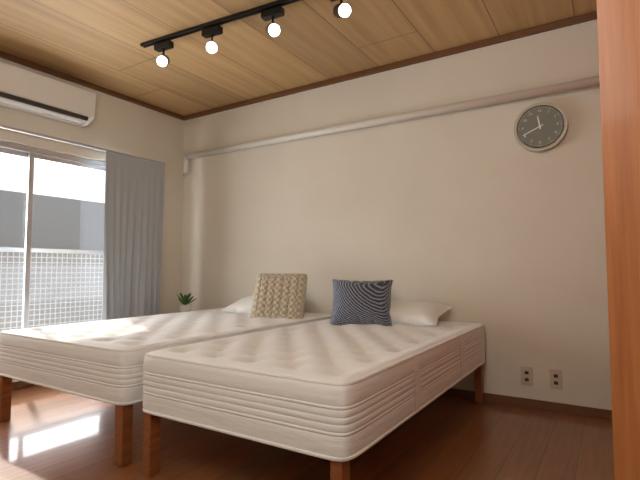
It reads 11h41
